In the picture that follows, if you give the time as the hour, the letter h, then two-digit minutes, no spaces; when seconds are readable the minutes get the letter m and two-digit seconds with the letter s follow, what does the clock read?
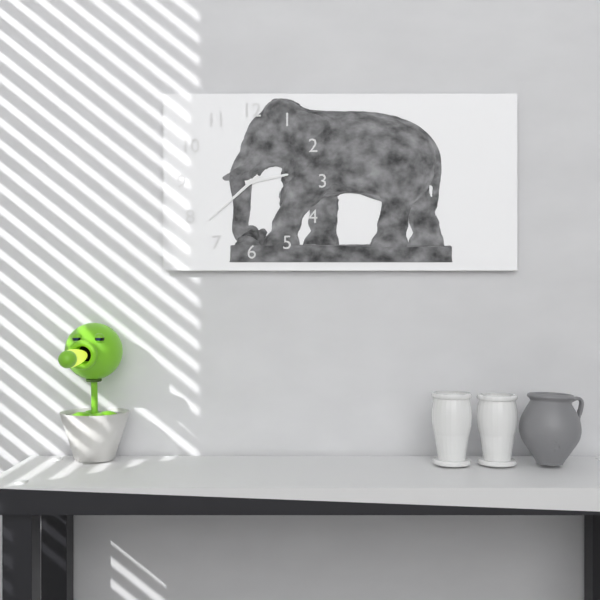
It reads 2h38
